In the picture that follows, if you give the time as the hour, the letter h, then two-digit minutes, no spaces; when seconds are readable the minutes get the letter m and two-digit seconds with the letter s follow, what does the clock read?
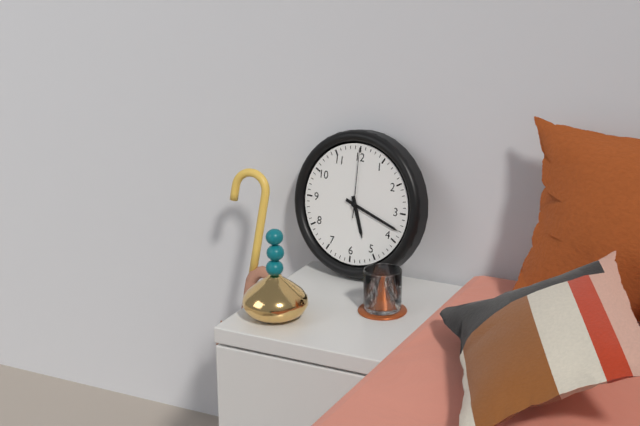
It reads 5h18m00s
